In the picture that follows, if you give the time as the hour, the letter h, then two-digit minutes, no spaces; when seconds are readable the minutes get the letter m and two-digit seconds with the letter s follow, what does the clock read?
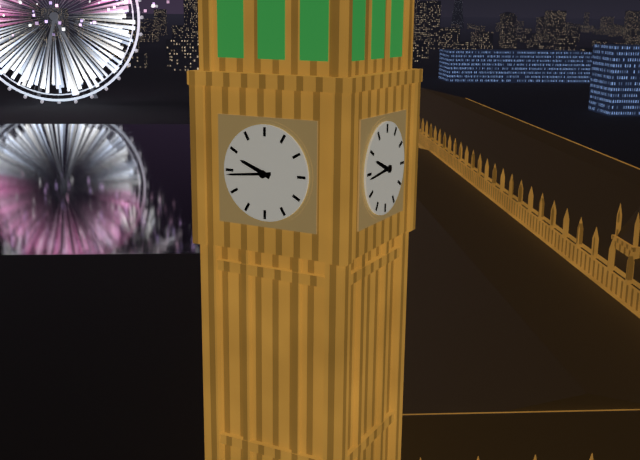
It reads 9h44
